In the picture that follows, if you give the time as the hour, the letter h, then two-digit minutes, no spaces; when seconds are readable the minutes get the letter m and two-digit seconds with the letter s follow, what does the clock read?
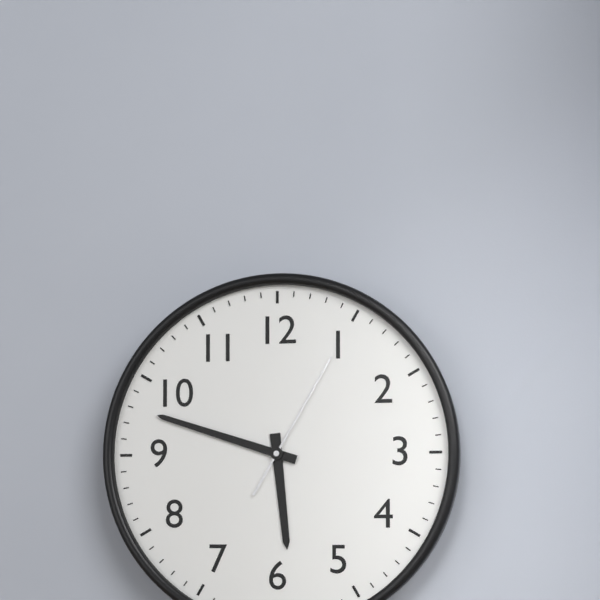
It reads 5h48m05s
